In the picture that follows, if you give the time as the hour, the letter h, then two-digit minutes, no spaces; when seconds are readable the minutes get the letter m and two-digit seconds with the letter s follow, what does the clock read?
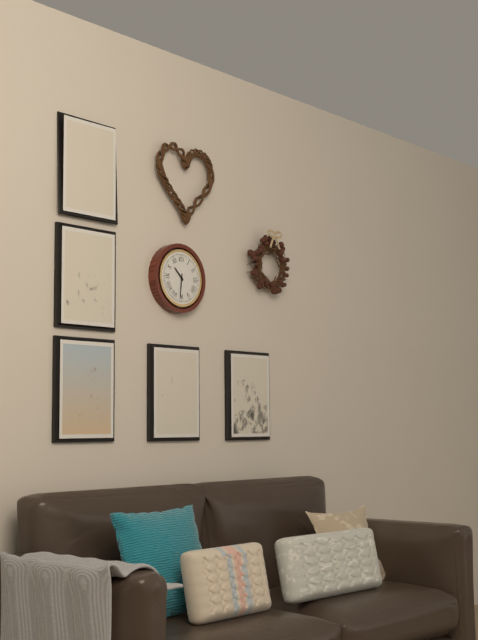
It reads 10h31
